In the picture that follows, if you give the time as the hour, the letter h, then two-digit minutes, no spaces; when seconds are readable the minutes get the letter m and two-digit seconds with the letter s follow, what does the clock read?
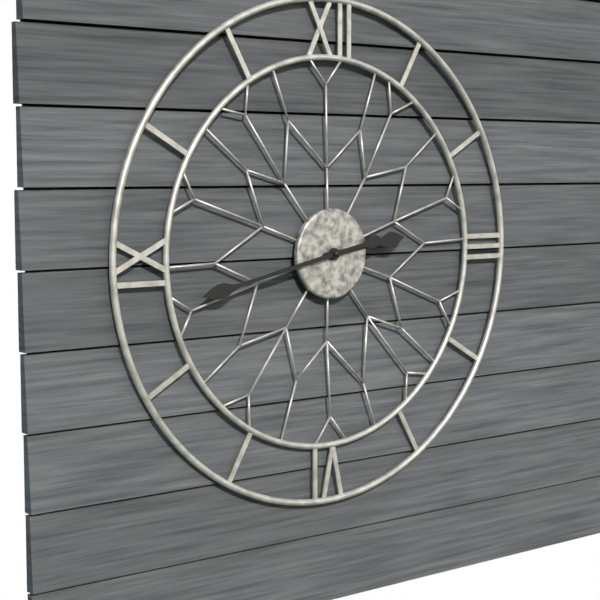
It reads 2h43
